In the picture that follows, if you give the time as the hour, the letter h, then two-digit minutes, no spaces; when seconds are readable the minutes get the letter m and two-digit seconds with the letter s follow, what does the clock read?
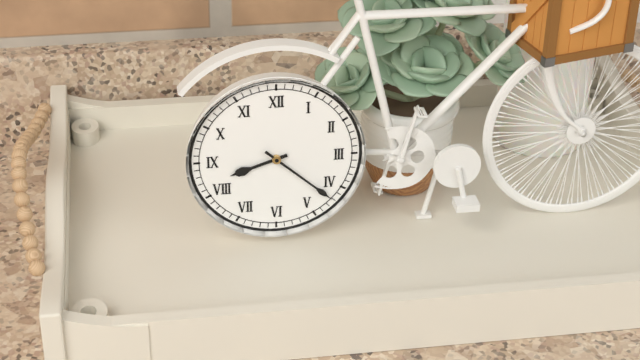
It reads 8h22
